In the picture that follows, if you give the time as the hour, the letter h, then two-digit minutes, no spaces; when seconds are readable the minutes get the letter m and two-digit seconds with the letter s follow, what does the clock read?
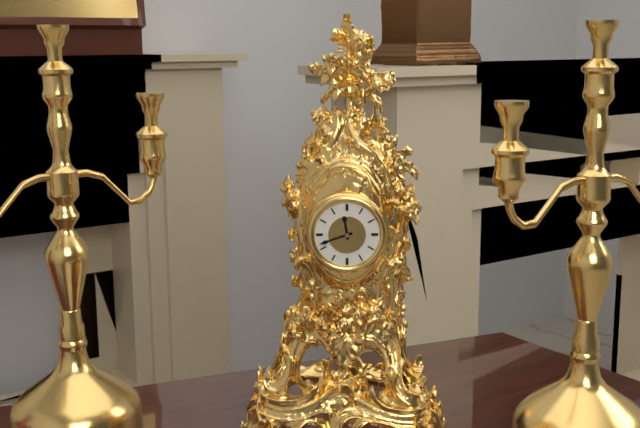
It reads 11h42
